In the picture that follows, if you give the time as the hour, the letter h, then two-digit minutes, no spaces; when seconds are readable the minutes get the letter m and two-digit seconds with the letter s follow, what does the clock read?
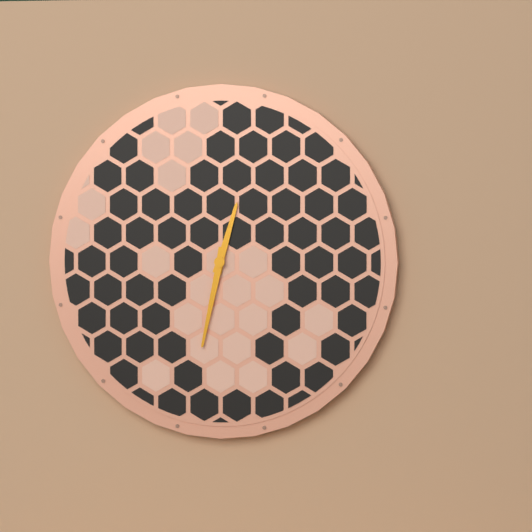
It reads 12h32
